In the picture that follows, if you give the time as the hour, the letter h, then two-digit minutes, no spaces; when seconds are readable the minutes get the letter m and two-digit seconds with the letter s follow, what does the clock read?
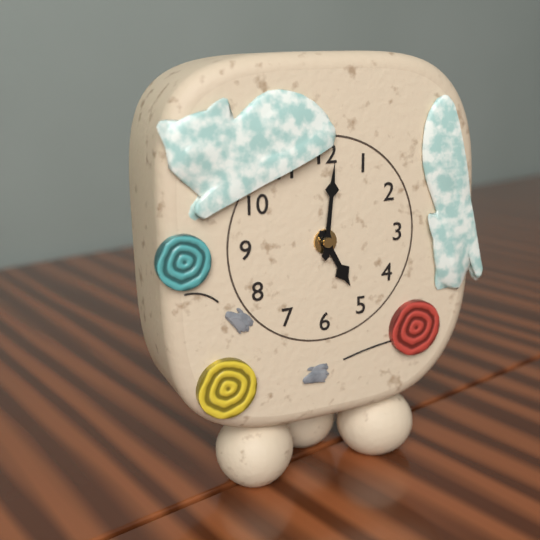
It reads 5h01
